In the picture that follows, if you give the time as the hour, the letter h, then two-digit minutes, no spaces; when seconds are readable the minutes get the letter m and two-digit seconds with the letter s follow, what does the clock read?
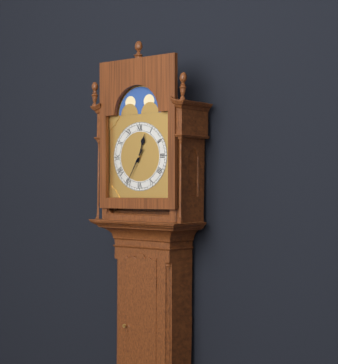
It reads 12h35
